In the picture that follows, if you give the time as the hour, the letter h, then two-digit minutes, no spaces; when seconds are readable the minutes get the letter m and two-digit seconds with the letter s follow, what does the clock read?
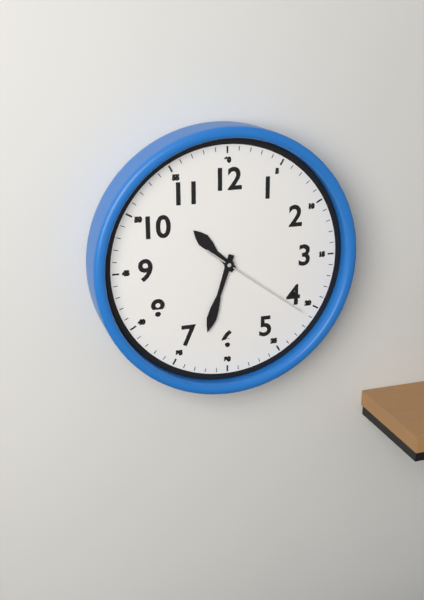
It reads 10h33m21s
